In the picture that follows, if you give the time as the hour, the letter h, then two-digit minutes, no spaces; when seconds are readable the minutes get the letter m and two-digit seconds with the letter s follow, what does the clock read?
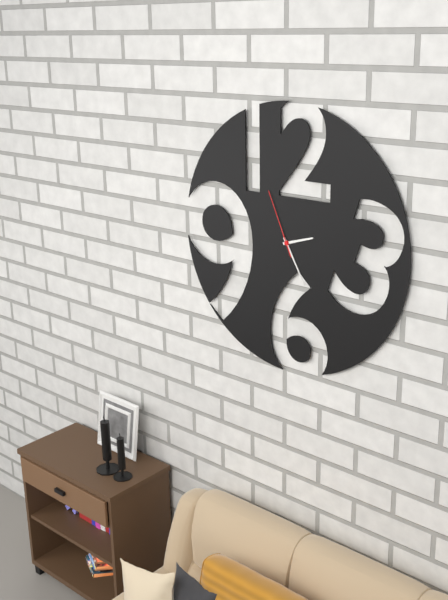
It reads 2h25m56s
